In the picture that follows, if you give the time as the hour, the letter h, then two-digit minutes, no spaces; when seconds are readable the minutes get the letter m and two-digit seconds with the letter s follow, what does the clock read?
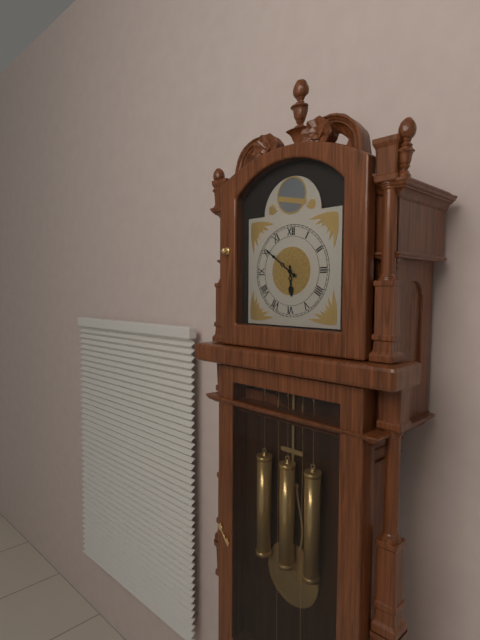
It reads 5h51
